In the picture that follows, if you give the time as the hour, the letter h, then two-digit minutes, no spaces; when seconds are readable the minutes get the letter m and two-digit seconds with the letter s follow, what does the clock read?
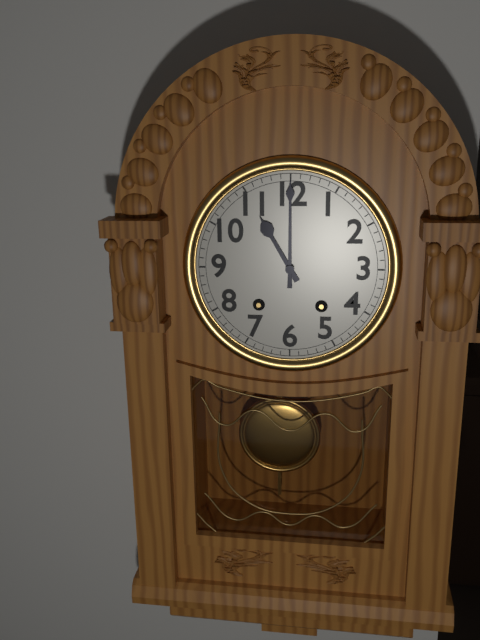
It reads 11h00
